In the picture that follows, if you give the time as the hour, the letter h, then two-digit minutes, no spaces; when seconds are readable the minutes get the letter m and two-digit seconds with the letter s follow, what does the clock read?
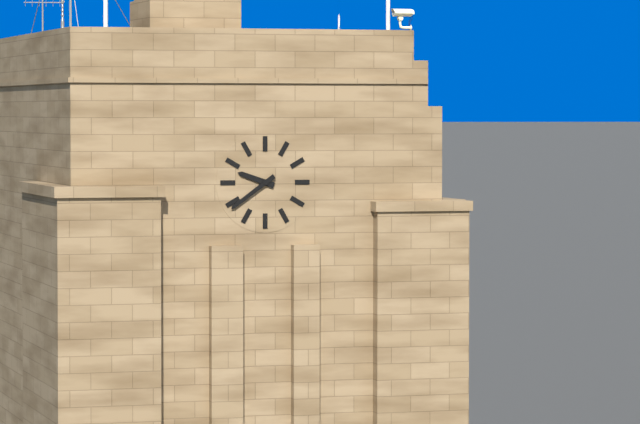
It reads 9h39
